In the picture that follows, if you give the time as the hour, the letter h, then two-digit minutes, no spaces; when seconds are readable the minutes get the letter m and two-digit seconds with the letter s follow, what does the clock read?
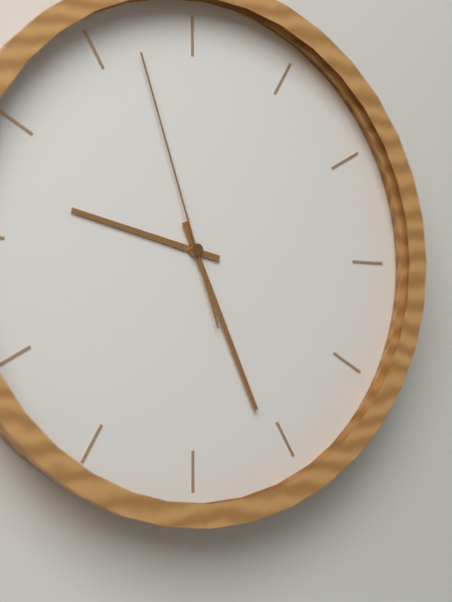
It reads 9h26m57s
